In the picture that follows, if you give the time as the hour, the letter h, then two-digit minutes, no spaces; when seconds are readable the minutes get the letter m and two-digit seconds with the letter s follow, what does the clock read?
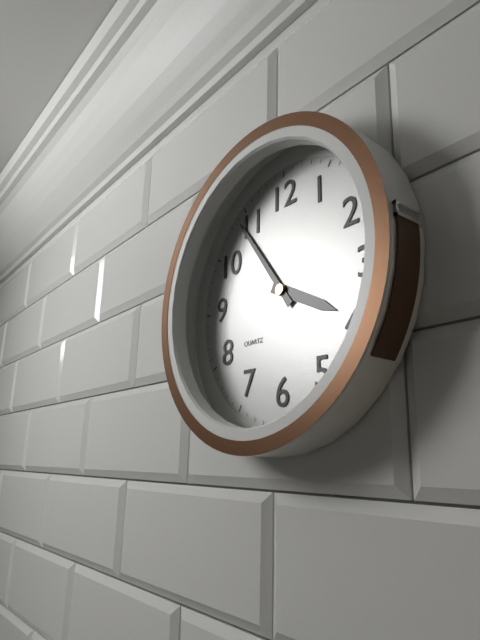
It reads 3h54
